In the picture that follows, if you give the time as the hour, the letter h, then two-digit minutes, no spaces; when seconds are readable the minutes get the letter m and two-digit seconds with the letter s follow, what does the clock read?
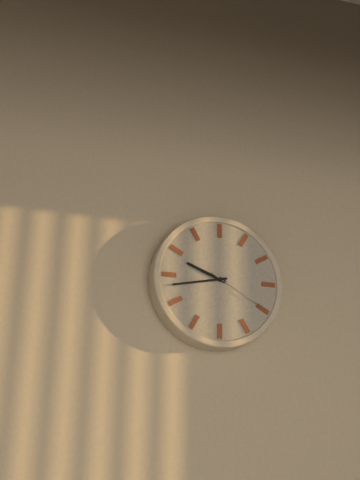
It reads 9h43m20s
